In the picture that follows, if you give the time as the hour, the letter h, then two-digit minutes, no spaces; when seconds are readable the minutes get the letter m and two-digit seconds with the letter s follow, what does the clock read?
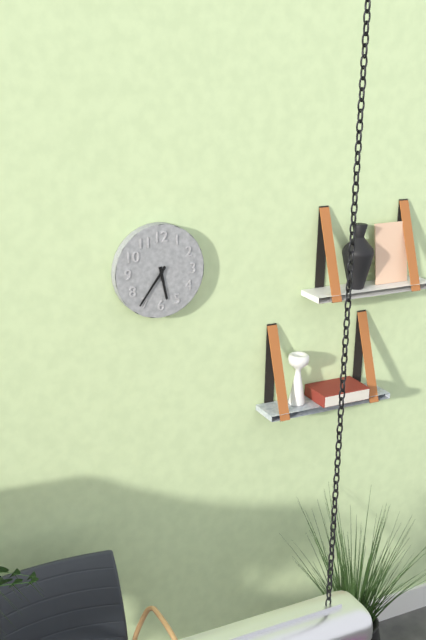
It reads 5h36
